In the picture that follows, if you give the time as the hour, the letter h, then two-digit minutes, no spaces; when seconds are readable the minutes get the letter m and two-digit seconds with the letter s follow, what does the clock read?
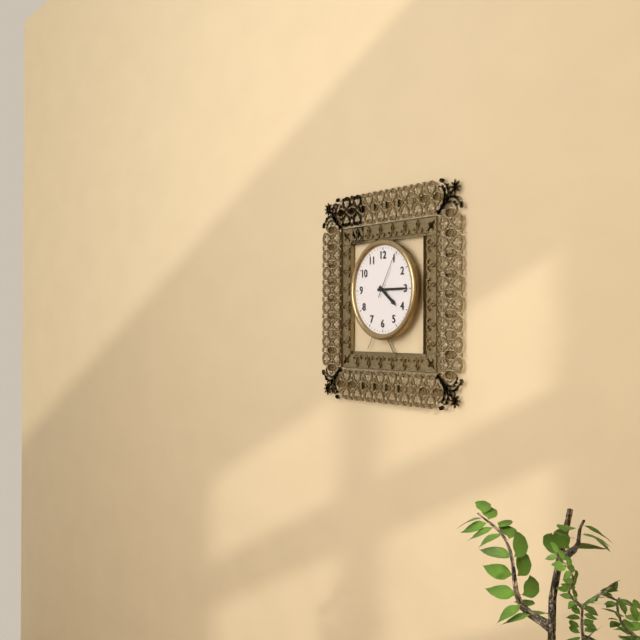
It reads 4h15
